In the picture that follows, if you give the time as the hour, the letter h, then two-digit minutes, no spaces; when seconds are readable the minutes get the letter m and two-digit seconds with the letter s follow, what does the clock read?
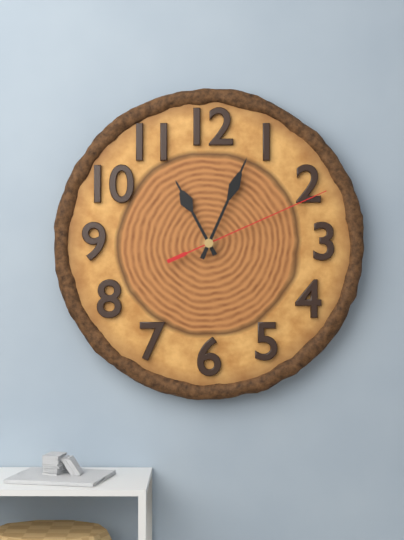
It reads 11h04m11s
